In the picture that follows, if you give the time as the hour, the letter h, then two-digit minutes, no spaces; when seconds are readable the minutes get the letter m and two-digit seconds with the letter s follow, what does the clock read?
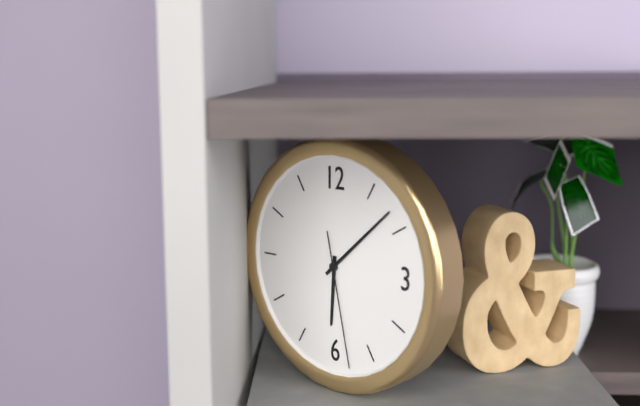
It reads 6h08m28s
